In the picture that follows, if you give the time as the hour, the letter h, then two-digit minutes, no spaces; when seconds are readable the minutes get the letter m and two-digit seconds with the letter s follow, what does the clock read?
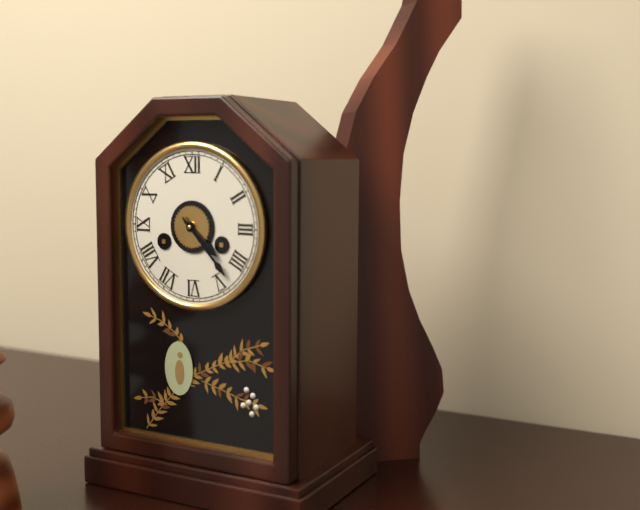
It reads 4h23
